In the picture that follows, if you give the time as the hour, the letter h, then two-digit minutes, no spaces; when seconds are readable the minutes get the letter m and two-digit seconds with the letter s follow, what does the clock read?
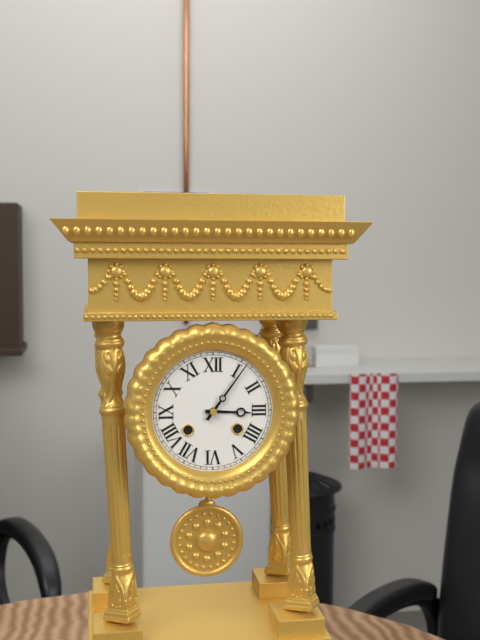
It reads 3h06
